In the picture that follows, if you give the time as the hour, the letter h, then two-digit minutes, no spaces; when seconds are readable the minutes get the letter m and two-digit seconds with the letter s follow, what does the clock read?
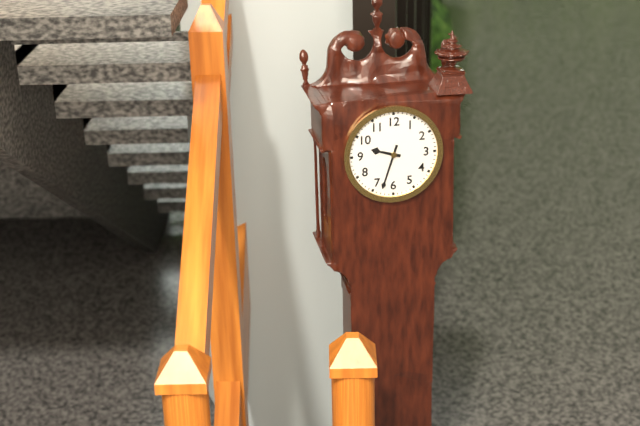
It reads 9h33
